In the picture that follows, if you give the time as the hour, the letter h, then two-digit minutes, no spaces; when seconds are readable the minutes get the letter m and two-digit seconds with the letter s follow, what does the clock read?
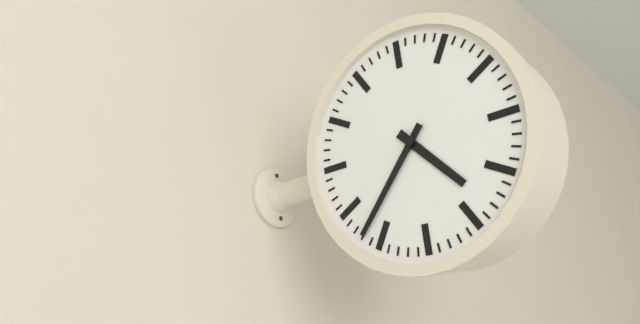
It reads 4h37
